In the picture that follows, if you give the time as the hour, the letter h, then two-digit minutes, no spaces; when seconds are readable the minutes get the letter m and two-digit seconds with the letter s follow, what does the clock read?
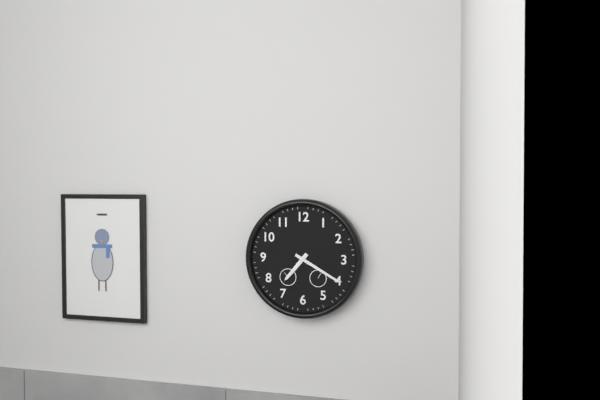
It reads 7h20
